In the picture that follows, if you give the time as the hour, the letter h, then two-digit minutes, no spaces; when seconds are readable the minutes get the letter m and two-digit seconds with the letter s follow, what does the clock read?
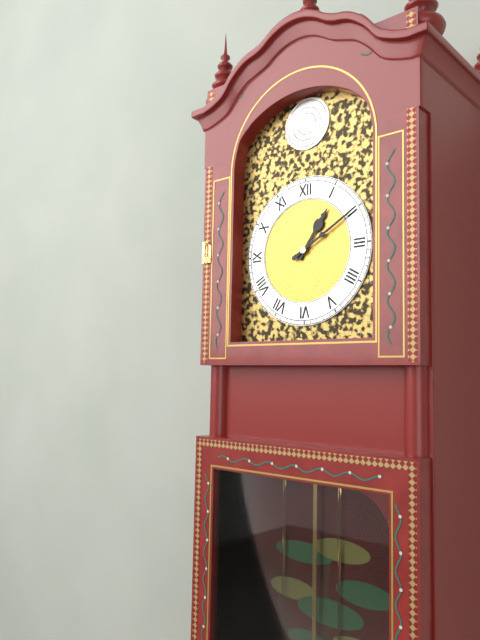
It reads 1h10
